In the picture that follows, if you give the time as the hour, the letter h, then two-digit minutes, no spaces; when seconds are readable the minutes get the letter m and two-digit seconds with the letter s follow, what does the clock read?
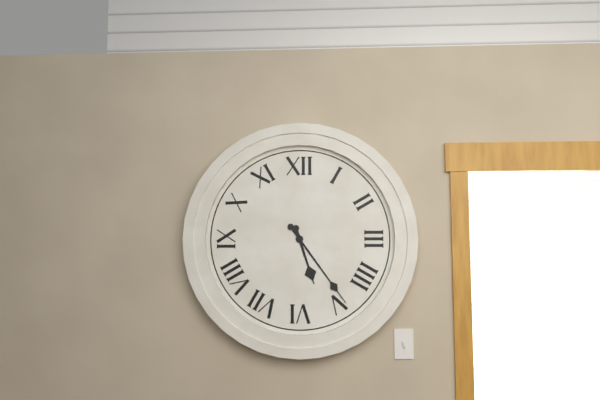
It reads 5h24
